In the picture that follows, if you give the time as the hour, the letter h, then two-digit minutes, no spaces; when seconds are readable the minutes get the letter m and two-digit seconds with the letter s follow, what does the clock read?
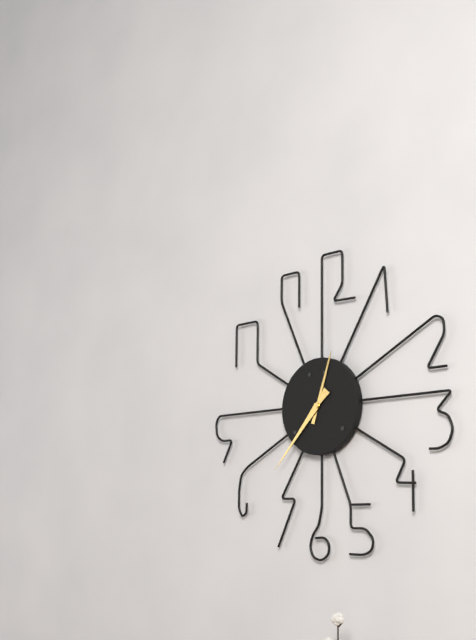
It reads 12h37
